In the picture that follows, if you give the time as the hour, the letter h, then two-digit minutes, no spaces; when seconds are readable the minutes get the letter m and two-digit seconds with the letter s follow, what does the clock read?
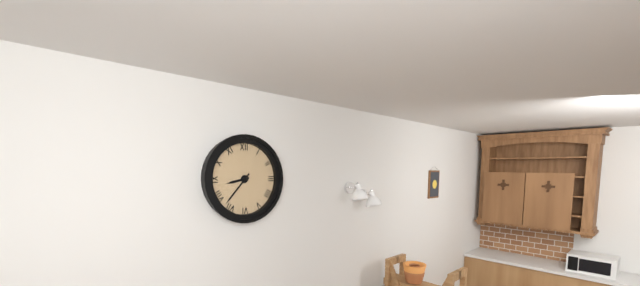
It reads 8h37
